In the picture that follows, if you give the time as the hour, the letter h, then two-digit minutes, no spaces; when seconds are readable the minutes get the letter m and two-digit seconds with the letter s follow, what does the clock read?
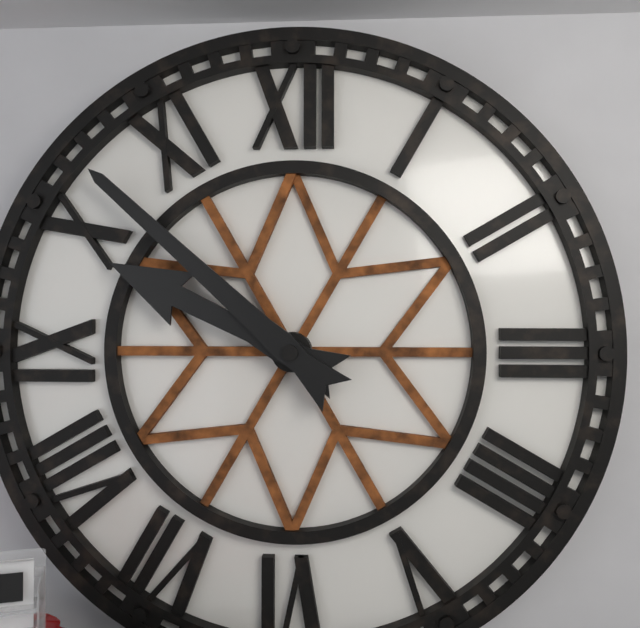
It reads 9h52
